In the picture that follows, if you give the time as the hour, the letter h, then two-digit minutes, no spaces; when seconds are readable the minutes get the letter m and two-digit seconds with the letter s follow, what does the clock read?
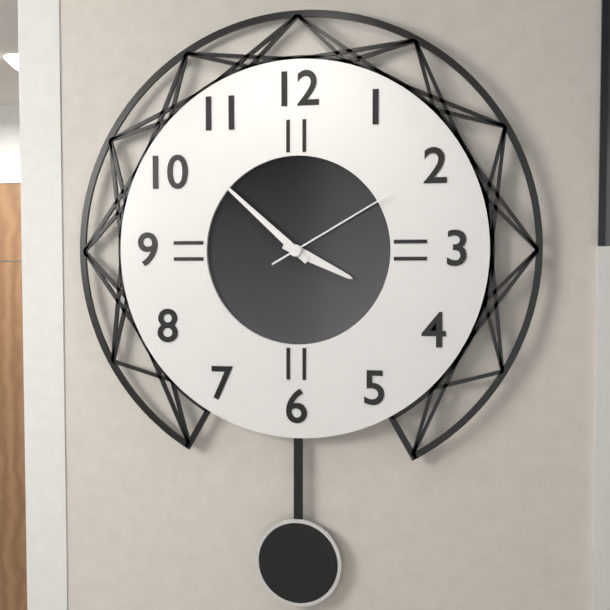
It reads 3h52m10s
